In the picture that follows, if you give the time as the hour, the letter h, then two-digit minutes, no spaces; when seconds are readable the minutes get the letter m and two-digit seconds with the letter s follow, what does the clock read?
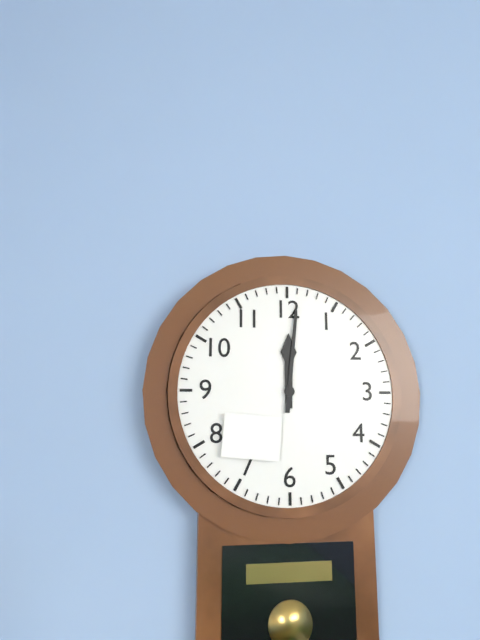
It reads 12h01
